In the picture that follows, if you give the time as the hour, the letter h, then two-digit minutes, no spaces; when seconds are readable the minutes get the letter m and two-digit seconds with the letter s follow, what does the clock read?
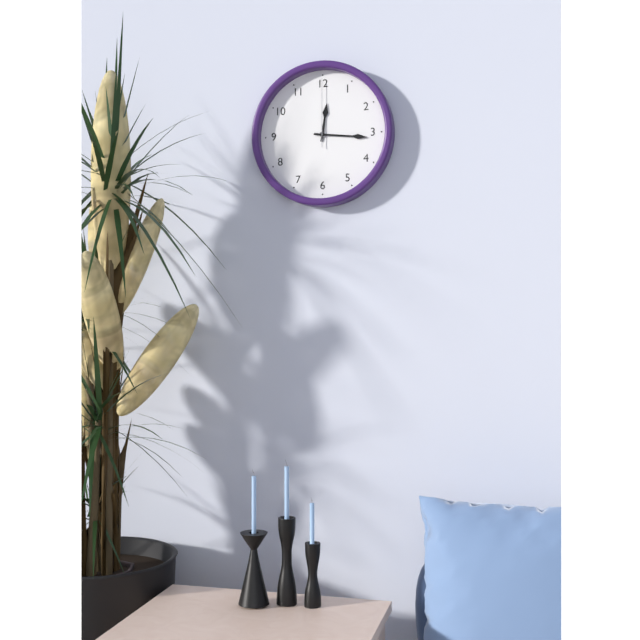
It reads 12h16m00s
